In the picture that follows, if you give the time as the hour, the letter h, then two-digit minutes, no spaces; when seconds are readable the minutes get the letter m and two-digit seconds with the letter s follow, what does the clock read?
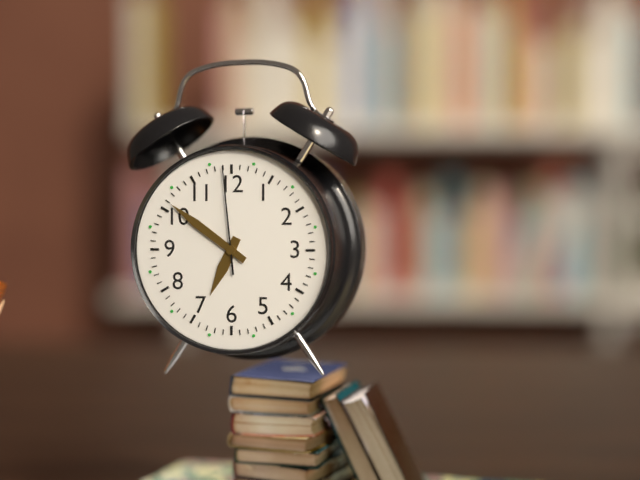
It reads 6h51m59s
